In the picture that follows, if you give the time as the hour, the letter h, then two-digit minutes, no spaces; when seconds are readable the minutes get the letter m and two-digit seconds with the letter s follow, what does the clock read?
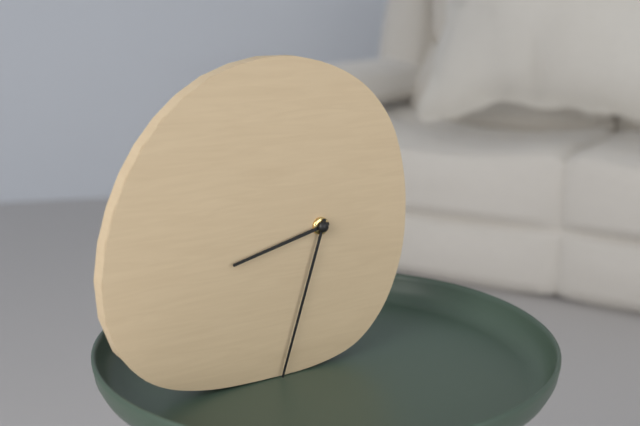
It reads 8h33
